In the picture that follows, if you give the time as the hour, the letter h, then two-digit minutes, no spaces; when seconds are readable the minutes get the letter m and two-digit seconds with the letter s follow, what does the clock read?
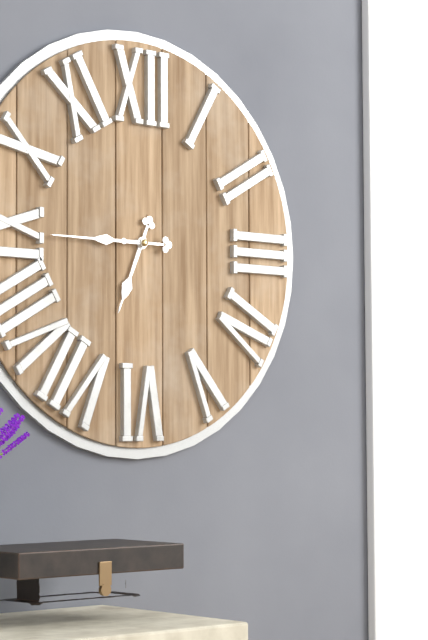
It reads 6h45
